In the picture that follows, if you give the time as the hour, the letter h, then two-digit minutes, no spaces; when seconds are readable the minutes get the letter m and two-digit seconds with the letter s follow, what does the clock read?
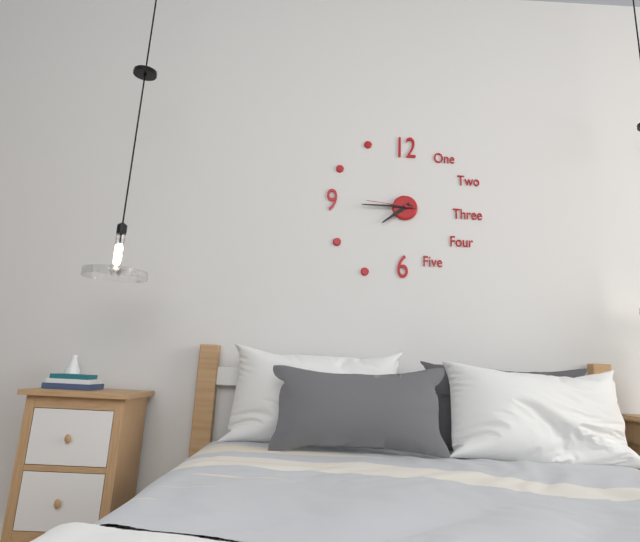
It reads 7h45
